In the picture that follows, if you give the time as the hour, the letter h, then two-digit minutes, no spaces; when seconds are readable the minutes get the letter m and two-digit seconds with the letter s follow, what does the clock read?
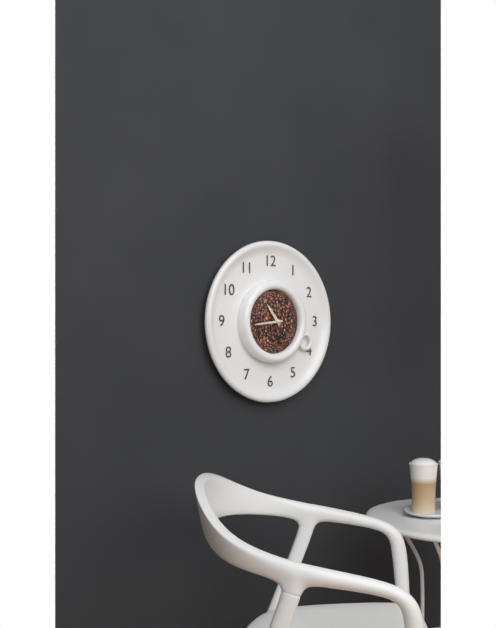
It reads 10h44
